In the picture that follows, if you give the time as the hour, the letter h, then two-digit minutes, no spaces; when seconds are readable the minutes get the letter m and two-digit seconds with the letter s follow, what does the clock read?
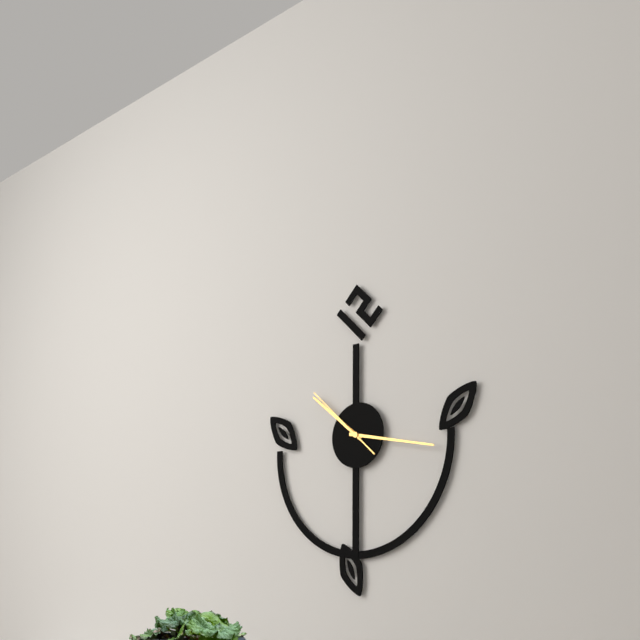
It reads 10h17m52s
